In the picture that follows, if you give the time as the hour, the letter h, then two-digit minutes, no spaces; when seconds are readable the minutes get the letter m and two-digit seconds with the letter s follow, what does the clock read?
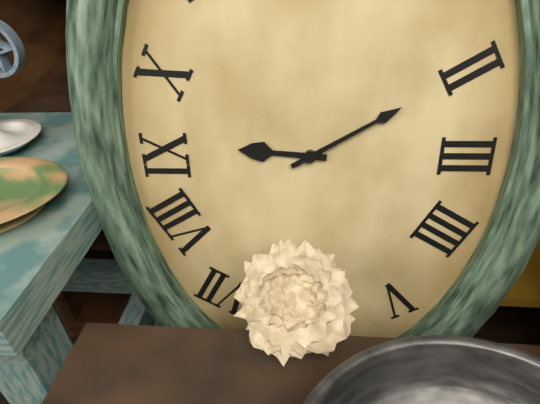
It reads 9h10
